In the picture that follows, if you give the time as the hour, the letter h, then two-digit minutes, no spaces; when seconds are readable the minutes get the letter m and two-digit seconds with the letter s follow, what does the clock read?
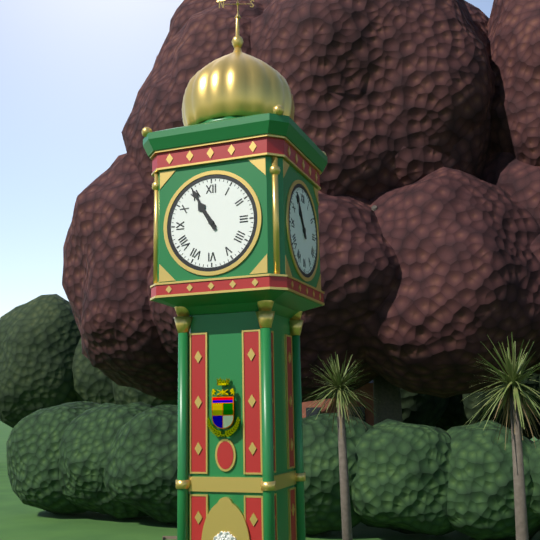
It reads 10h55
